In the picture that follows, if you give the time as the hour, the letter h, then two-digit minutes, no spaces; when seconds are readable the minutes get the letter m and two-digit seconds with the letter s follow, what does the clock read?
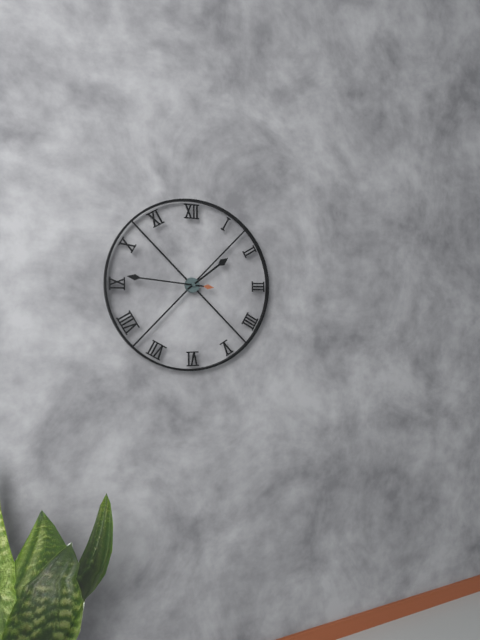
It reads 1h46
